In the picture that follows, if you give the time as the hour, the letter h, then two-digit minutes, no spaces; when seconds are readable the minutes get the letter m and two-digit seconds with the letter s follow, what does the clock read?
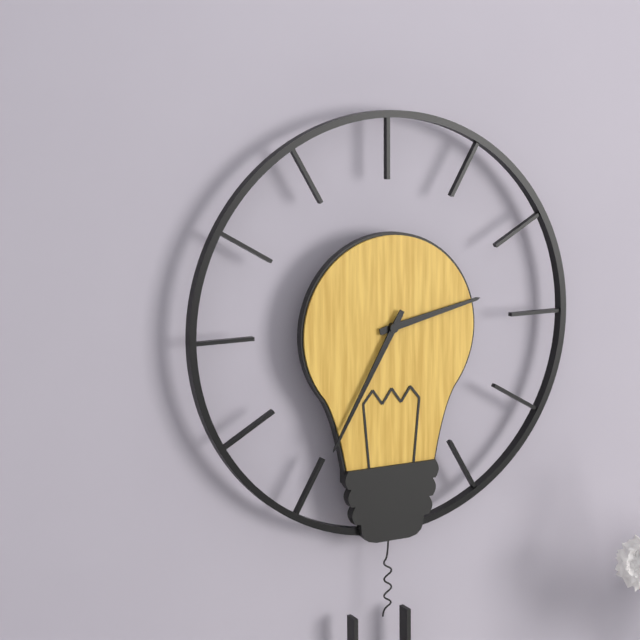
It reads 2h35
